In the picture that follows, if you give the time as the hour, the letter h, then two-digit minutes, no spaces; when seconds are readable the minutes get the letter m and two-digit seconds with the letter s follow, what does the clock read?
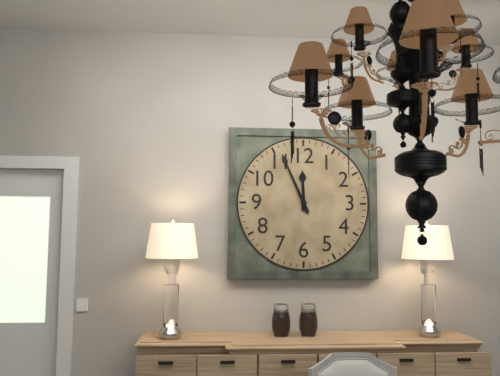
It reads 11h56
